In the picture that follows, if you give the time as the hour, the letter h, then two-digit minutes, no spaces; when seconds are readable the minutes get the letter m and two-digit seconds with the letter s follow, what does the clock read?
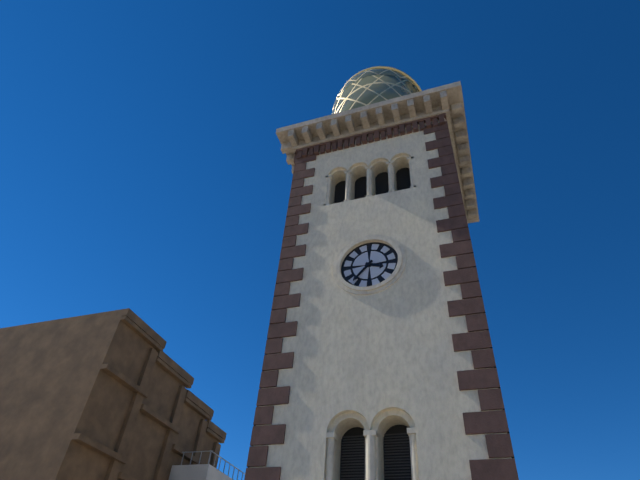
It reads 3h37
